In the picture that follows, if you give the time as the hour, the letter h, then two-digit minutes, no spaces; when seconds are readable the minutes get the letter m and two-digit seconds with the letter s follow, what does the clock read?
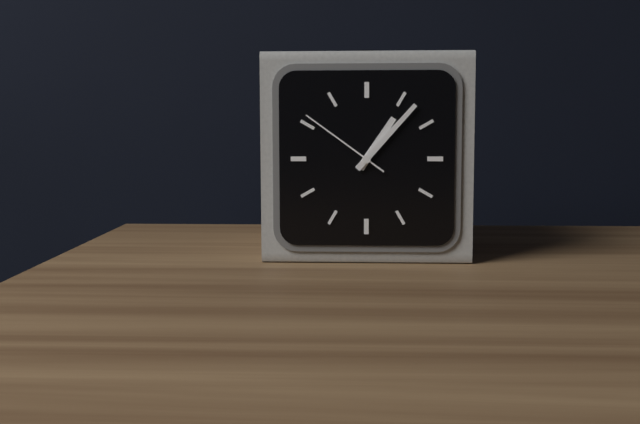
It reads 1h07m51s
